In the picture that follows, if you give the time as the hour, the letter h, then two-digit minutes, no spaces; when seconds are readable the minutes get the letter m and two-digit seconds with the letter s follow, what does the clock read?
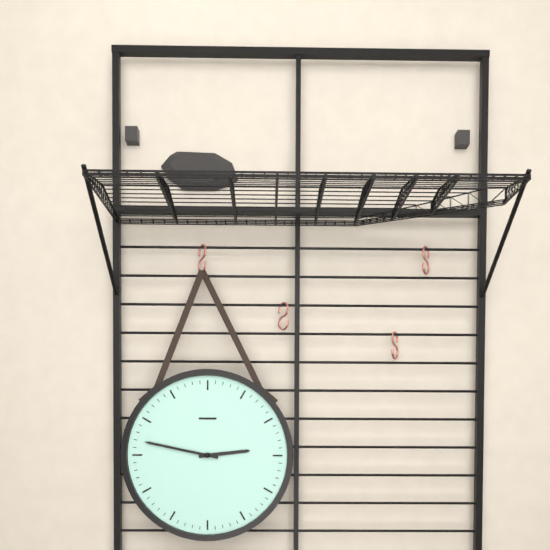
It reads 2h47
